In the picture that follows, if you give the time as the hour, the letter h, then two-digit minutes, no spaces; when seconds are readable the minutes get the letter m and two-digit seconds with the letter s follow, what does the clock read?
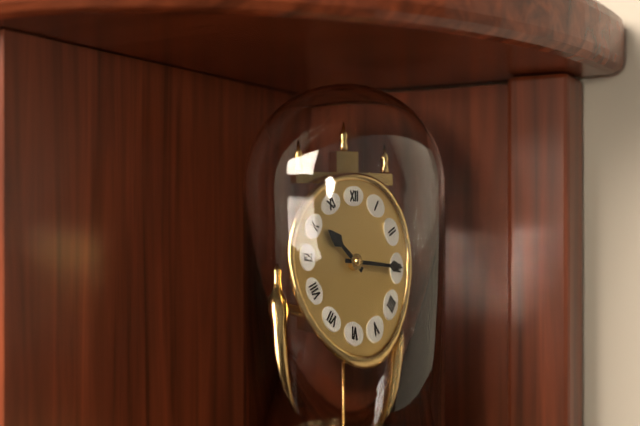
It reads 10h15
